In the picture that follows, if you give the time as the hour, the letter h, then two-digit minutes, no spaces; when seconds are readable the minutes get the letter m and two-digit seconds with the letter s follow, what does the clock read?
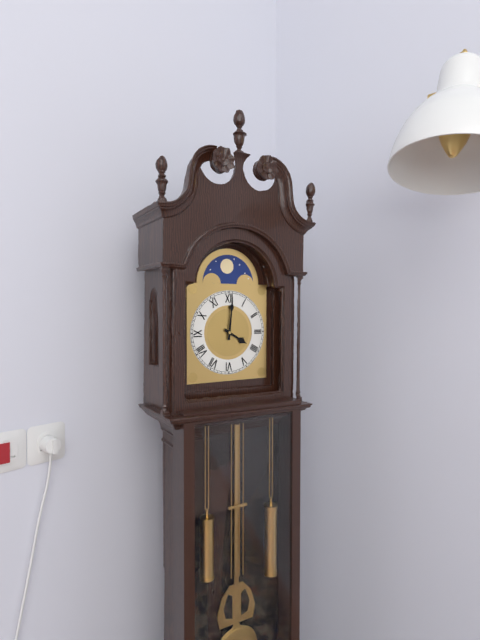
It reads 4h01
